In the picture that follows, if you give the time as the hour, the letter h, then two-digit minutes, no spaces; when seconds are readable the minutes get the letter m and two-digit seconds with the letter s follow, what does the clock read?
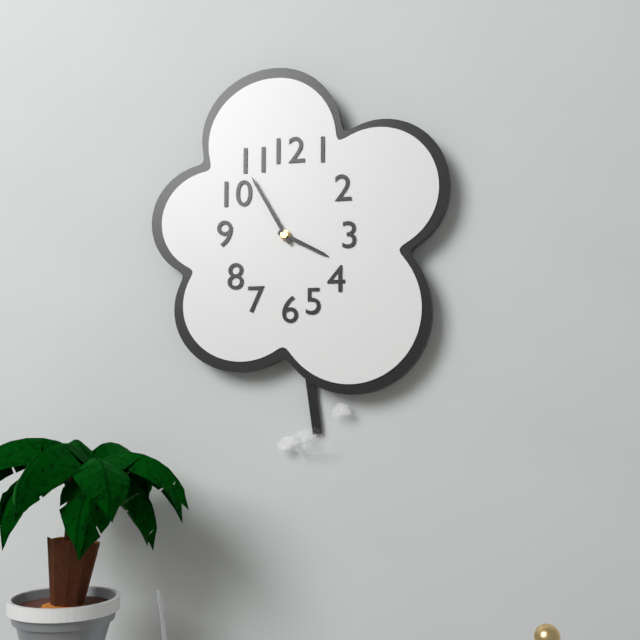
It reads 3h55
